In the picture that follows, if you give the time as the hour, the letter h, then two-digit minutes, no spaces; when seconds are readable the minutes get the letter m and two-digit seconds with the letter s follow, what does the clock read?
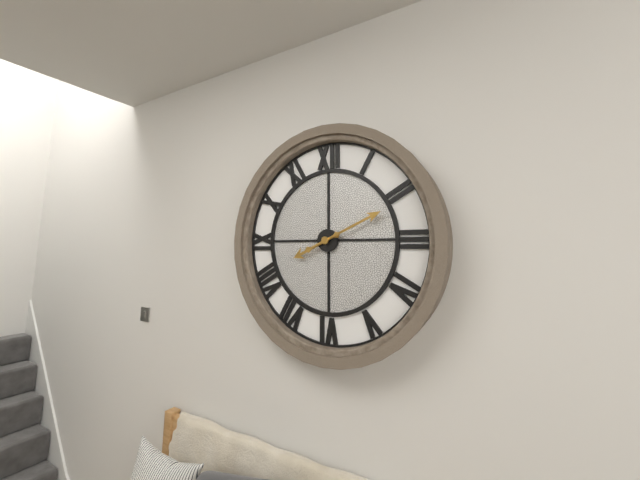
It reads 8h11
